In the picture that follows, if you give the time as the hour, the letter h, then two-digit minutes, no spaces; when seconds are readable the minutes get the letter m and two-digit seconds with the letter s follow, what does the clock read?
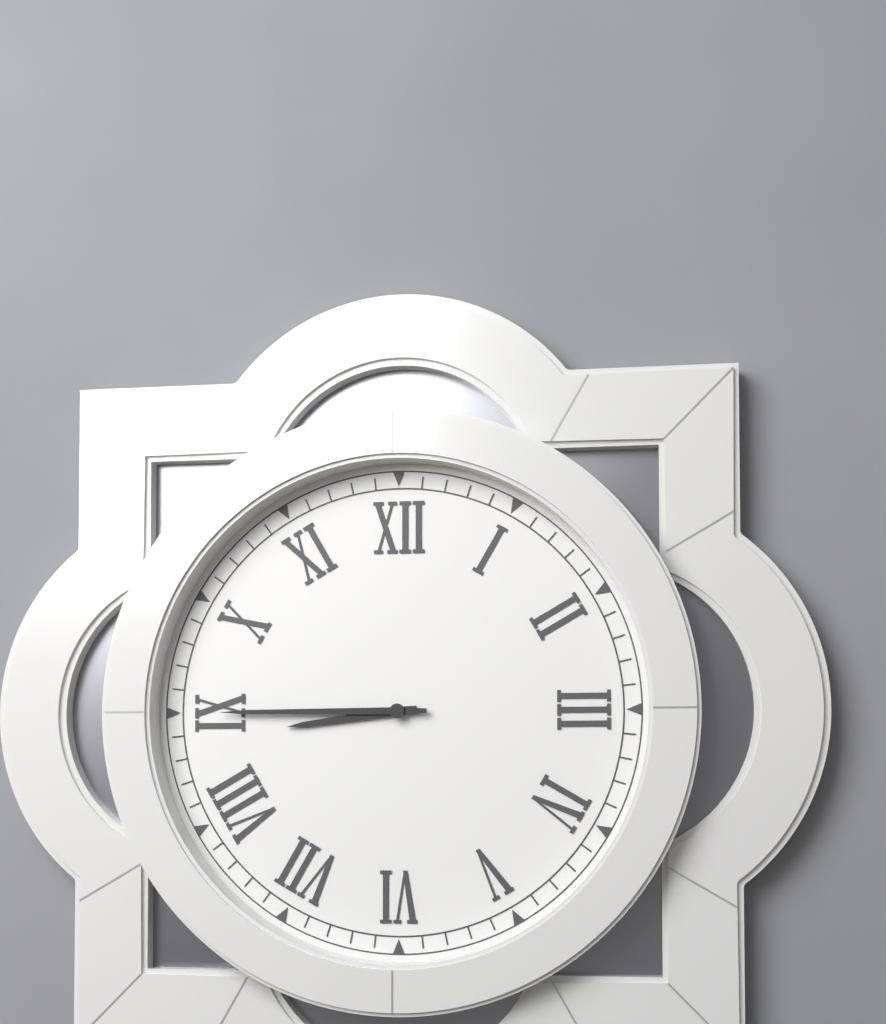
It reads 8h45
